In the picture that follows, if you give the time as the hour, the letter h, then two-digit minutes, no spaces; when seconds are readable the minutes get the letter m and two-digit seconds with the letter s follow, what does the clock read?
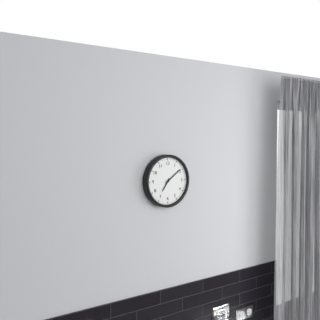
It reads 7h09
